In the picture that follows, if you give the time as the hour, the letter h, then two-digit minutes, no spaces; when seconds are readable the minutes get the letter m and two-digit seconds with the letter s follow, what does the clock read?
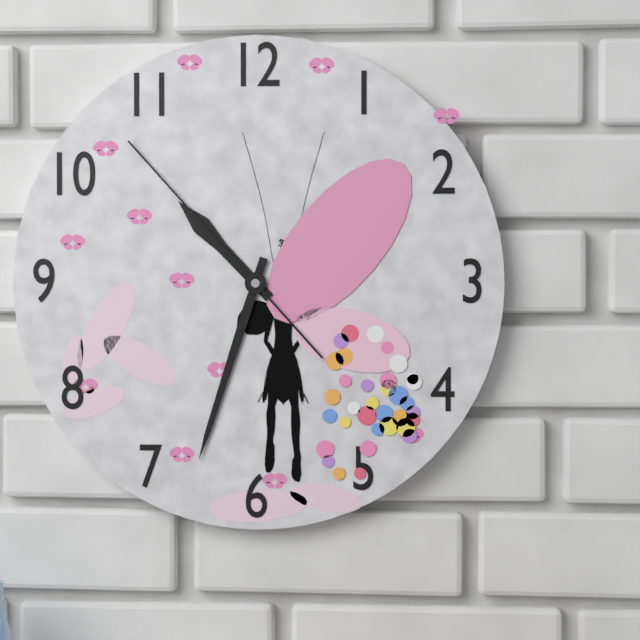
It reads 10h33m53s
